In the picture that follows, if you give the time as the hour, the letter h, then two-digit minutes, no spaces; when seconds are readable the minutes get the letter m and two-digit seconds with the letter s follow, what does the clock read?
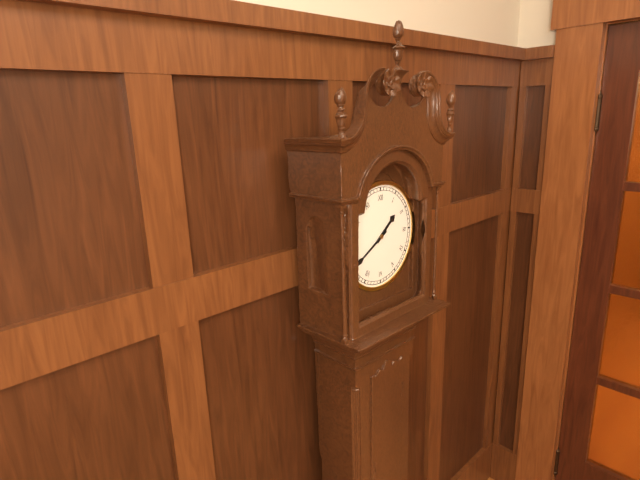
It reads 1h40
